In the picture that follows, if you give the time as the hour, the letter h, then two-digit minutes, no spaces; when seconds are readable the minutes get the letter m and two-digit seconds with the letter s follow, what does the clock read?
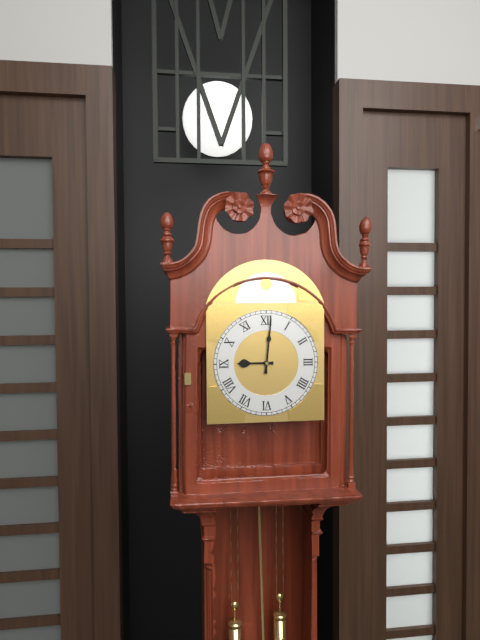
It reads 9h01
